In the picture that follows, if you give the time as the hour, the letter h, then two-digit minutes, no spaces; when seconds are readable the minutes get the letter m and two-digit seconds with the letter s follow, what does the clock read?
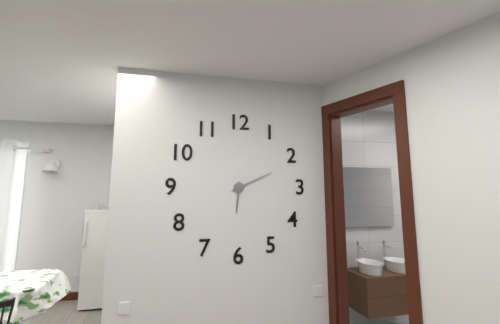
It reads 6h11
